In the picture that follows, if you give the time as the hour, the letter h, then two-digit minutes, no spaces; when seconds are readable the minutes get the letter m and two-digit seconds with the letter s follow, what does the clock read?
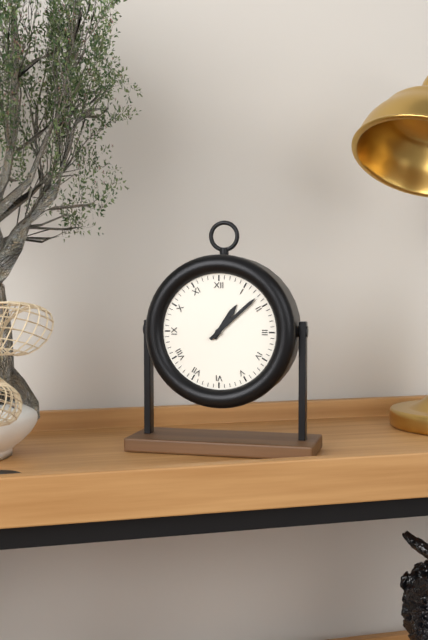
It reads 1h08
